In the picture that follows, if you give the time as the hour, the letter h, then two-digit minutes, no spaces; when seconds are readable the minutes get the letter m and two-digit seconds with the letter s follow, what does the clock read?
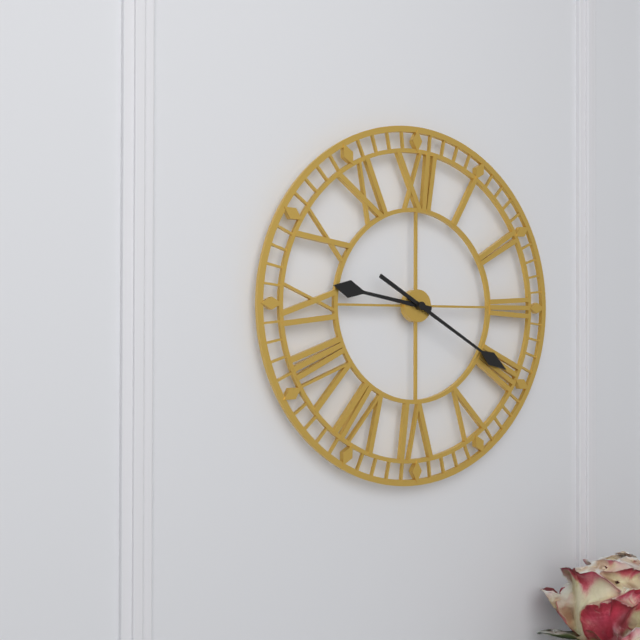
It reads 9h20
